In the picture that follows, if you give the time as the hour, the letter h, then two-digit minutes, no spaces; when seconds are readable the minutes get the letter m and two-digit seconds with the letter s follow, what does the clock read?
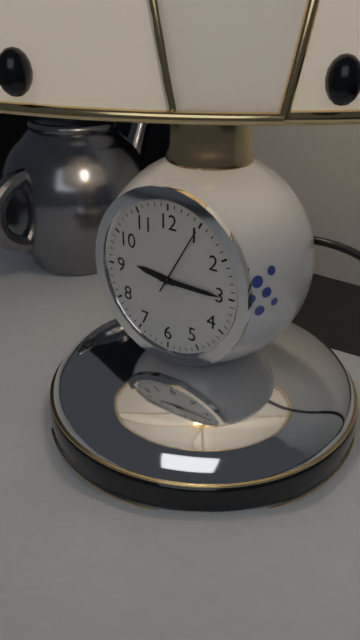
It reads 9h15m05s
